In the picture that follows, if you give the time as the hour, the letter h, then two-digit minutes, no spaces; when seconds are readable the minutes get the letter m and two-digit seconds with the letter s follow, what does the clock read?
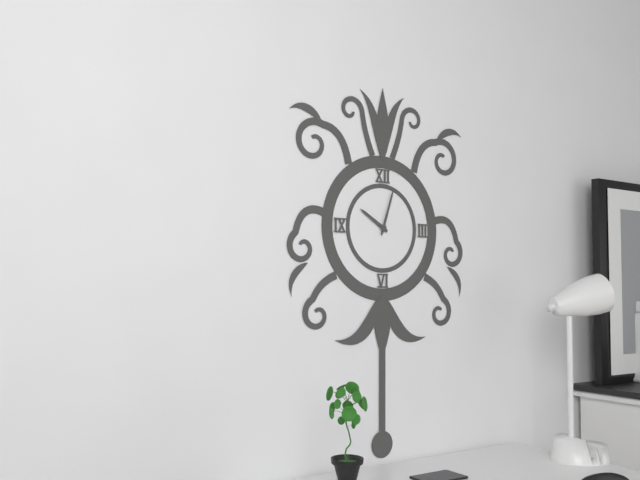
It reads 10h03
